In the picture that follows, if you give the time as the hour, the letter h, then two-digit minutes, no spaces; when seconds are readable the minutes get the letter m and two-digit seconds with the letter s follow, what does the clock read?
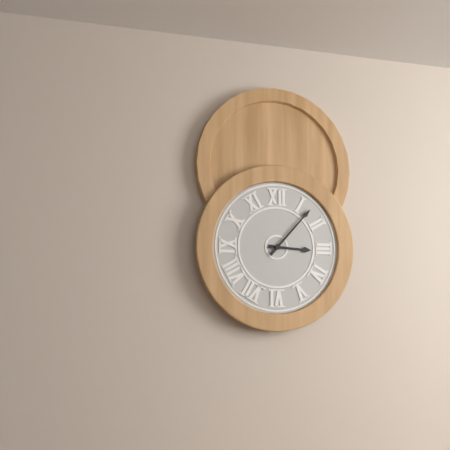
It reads 3h07
